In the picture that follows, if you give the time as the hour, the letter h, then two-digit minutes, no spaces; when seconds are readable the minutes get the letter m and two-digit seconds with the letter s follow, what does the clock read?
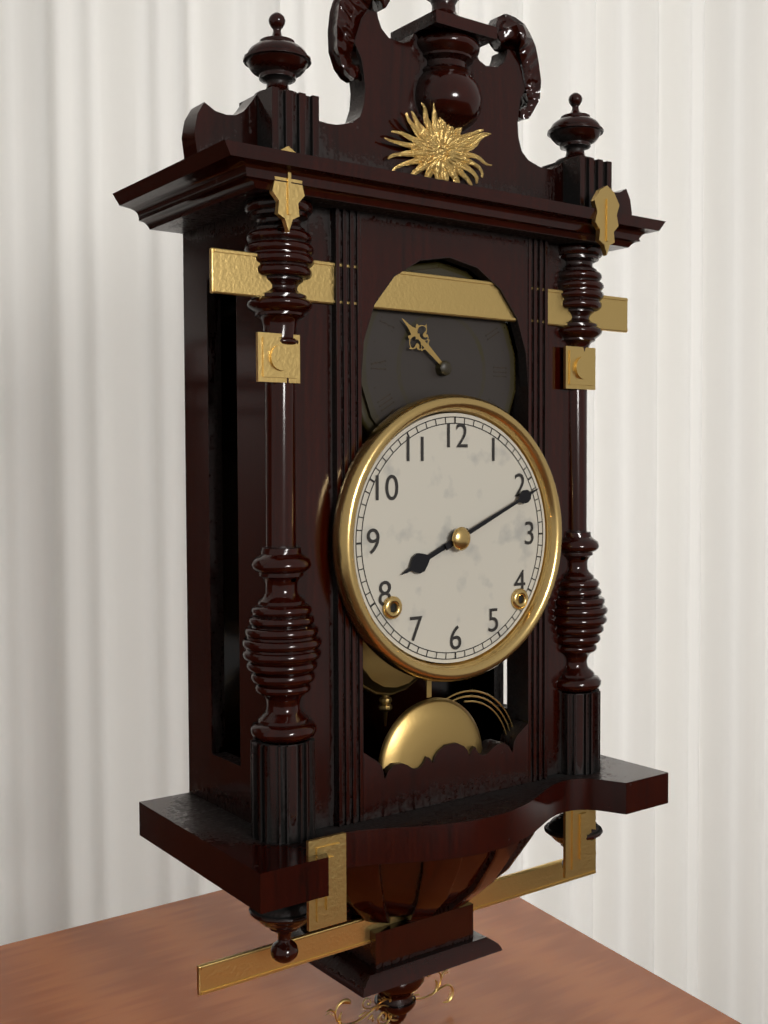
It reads 8h11
